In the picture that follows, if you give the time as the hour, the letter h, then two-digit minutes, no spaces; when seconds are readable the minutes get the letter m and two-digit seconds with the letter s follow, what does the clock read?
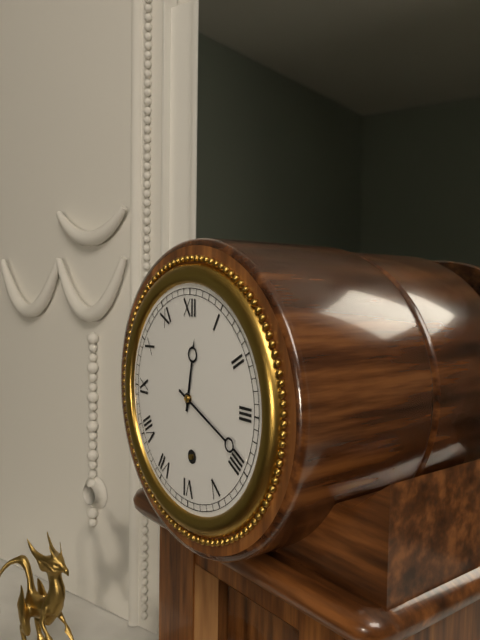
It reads 12h19
